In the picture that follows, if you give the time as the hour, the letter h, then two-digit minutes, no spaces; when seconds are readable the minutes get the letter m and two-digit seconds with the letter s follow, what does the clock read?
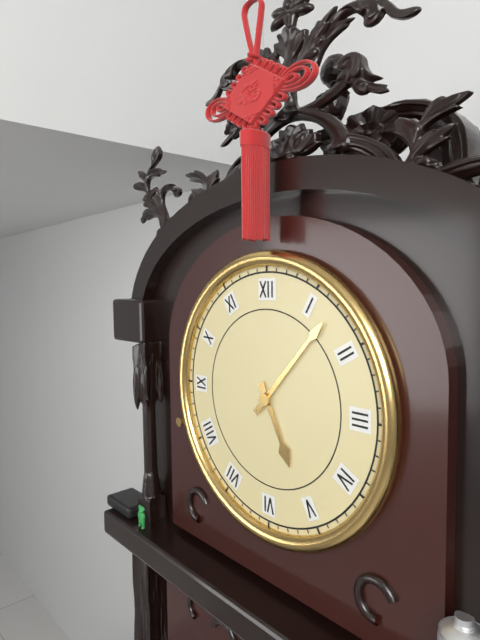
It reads 5h07
